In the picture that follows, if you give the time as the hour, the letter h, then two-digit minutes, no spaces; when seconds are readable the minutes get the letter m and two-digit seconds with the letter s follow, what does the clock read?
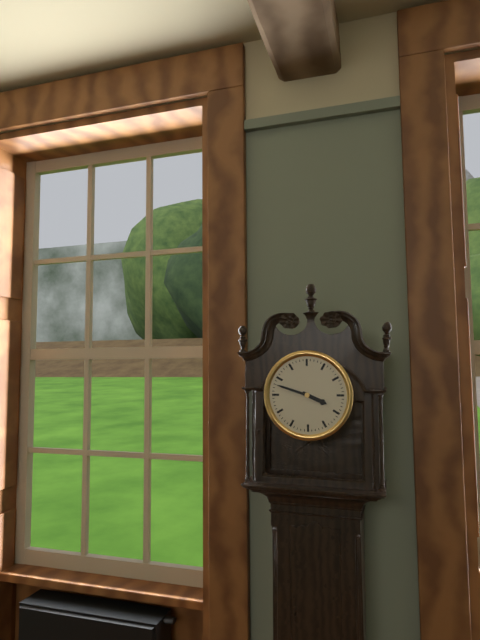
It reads 3h48
